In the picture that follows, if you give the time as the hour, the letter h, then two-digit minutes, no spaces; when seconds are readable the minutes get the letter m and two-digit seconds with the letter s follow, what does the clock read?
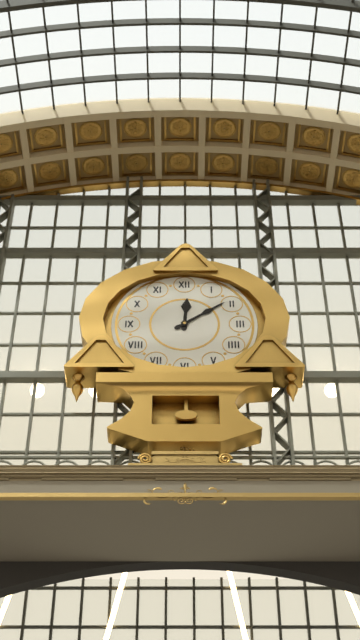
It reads 12h09
